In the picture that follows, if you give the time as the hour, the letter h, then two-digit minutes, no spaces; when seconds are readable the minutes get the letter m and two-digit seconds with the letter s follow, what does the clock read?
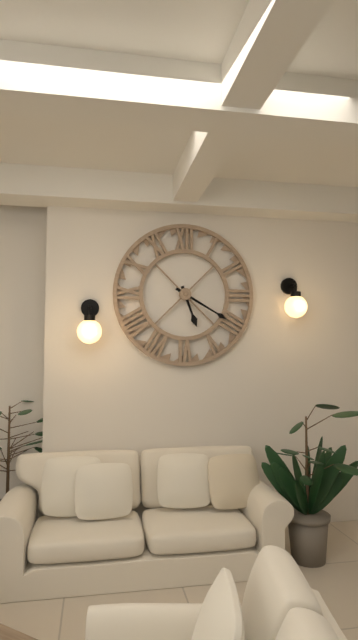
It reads 5h20
